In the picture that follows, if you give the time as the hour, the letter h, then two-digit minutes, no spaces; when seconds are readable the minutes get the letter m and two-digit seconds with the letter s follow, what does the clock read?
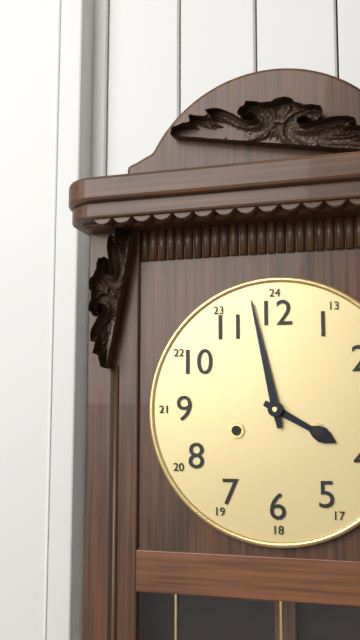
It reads 3h58
